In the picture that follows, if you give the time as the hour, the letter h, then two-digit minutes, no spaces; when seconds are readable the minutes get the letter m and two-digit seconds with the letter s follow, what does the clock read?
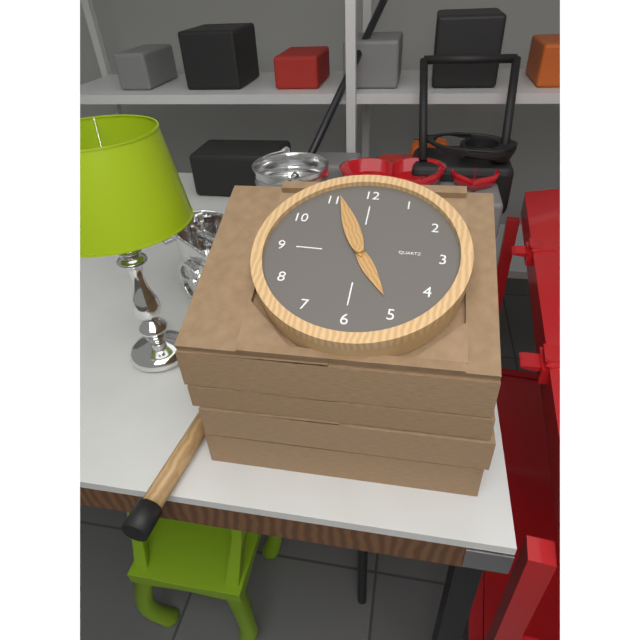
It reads 4h56
